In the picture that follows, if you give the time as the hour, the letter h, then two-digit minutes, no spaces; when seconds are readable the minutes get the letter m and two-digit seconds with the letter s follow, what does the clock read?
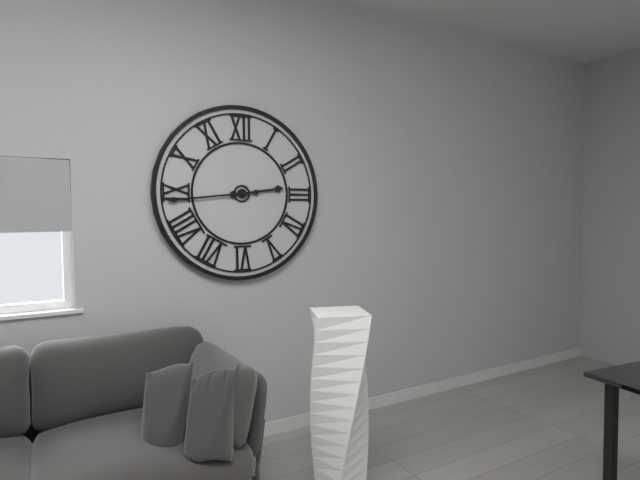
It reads 2h44
